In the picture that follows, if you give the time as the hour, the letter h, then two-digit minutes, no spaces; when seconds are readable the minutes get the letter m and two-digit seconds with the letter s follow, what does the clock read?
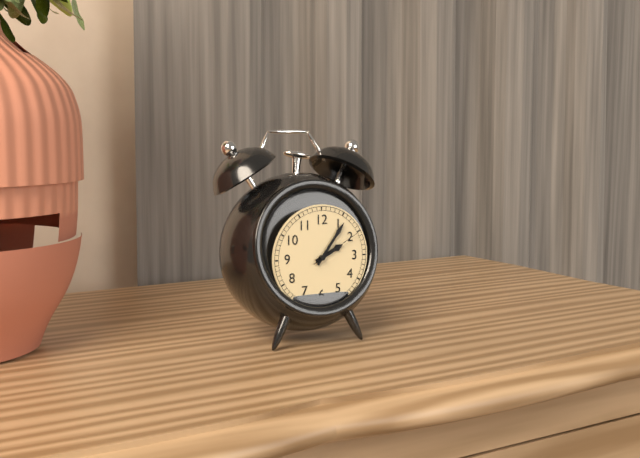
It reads 2h06m10s
